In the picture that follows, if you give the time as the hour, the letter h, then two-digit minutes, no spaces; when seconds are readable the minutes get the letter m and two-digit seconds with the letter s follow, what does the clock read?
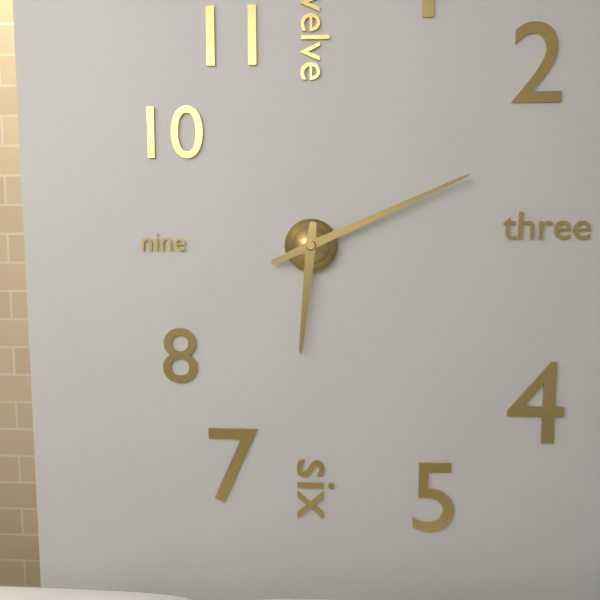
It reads 6h11
